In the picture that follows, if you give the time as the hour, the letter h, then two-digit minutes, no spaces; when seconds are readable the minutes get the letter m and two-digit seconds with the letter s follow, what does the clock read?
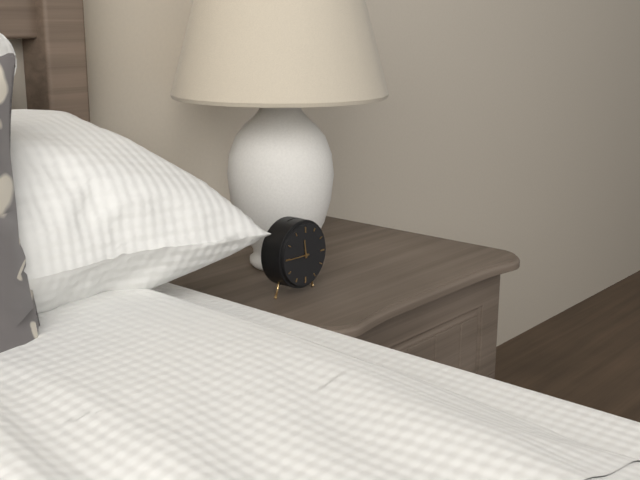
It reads 11h45
